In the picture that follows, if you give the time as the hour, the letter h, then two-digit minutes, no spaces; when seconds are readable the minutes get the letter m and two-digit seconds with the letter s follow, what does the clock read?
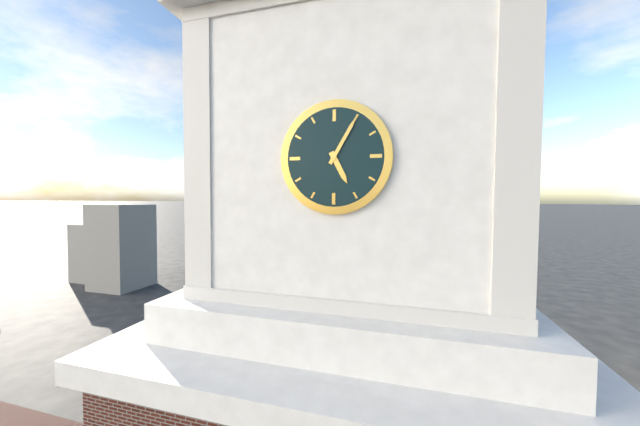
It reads 5h05
